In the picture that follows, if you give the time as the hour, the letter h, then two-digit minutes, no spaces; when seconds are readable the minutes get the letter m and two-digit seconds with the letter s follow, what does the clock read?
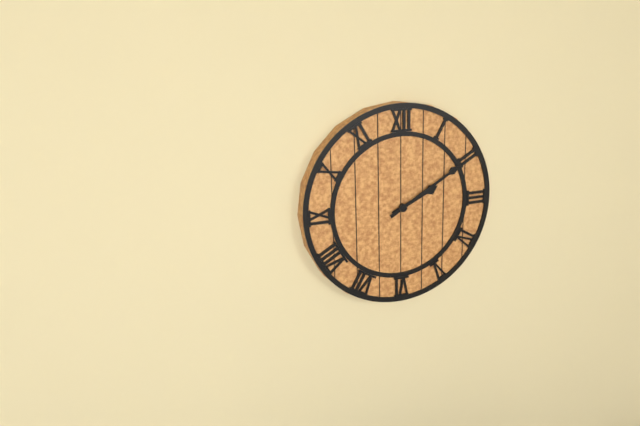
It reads 2h10
